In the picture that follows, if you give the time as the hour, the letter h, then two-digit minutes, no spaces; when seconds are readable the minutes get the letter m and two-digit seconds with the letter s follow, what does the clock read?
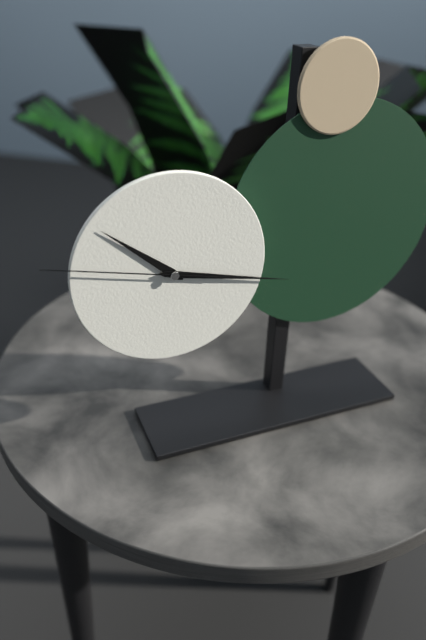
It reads 10h17m47s
